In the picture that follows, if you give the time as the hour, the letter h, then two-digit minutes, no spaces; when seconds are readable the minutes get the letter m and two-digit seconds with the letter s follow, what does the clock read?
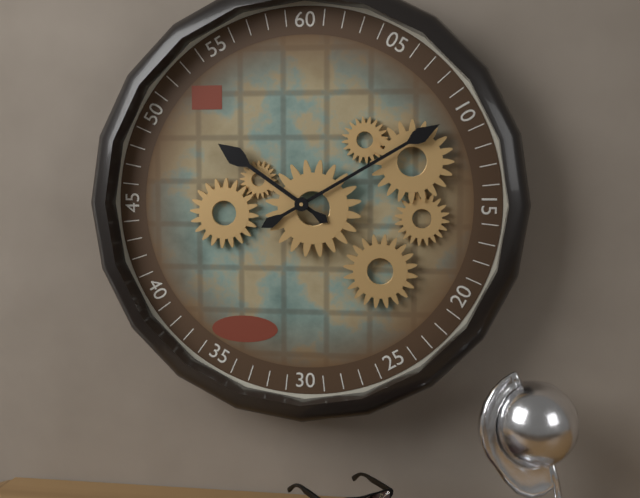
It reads 10h10
